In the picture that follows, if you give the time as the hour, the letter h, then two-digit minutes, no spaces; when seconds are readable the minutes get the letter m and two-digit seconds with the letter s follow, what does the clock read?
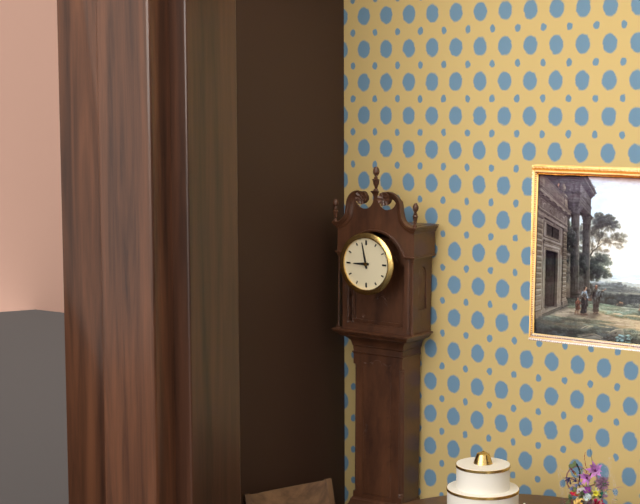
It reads 8h58
